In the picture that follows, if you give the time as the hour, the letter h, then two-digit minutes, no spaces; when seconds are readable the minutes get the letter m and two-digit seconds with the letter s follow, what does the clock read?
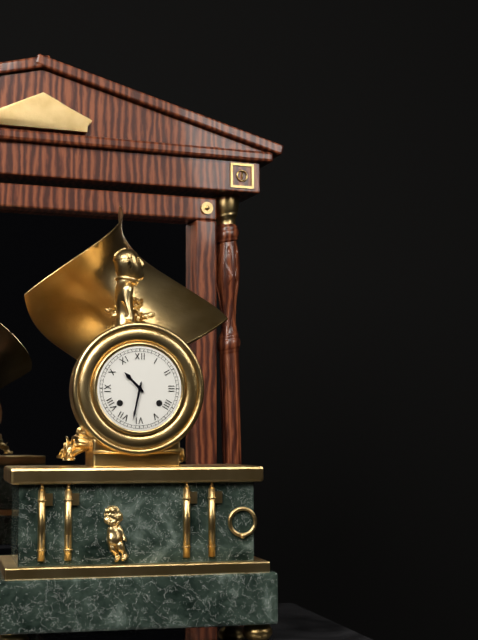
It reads 10h32
